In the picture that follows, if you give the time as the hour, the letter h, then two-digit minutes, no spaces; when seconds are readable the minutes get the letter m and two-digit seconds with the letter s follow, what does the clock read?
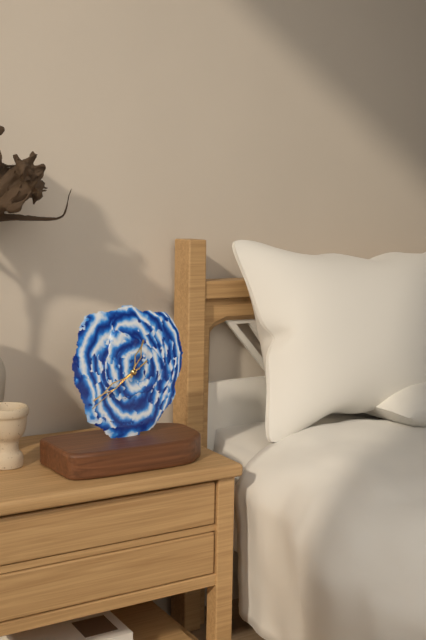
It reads 12h40m39s
